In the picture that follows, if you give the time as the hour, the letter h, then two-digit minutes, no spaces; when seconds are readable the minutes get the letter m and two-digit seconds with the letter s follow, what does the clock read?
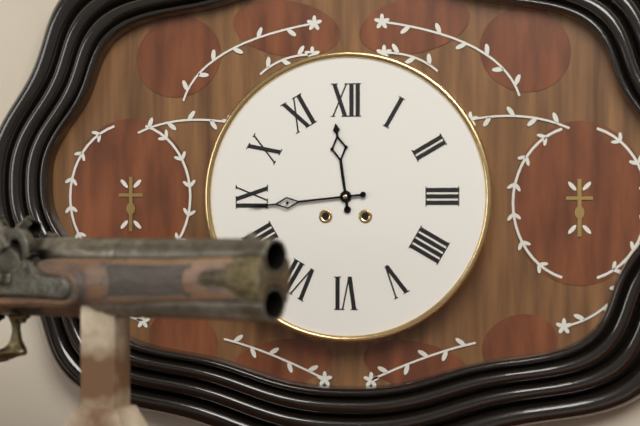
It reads 11h44
